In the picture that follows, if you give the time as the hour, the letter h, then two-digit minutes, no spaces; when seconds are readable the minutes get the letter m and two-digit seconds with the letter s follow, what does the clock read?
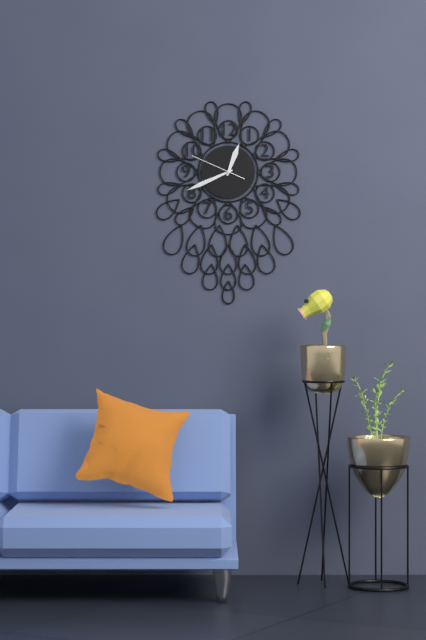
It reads 12h41m49s
